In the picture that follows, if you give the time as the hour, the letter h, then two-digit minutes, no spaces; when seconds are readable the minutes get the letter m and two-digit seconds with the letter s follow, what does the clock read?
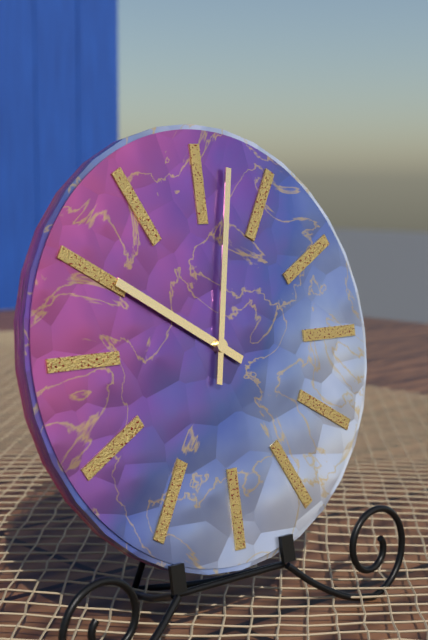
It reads 10h02
